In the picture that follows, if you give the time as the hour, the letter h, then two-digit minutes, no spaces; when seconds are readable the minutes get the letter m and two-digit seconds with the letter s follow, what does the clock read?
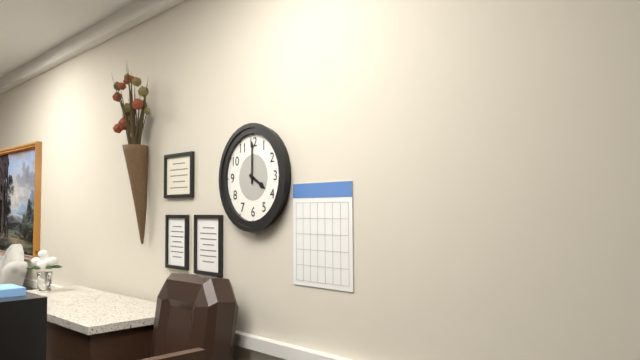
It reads 4h00
